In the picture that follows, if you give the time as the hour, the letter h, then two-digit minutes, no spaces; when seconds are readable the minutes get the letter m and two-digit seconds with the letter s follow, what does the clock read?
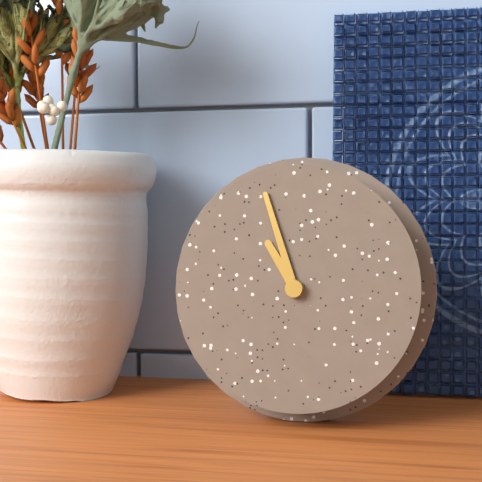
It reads 10h57
